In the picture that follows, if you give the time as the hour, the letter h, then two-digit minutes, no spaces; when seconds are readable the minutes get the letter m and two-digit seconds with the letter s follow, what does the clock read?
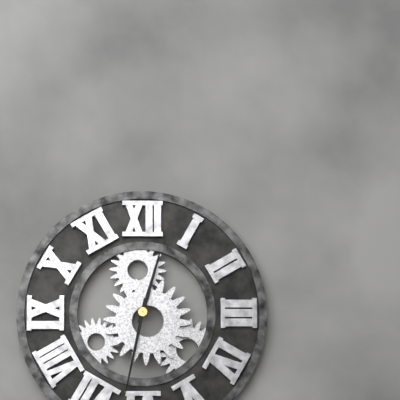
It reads 12h32
